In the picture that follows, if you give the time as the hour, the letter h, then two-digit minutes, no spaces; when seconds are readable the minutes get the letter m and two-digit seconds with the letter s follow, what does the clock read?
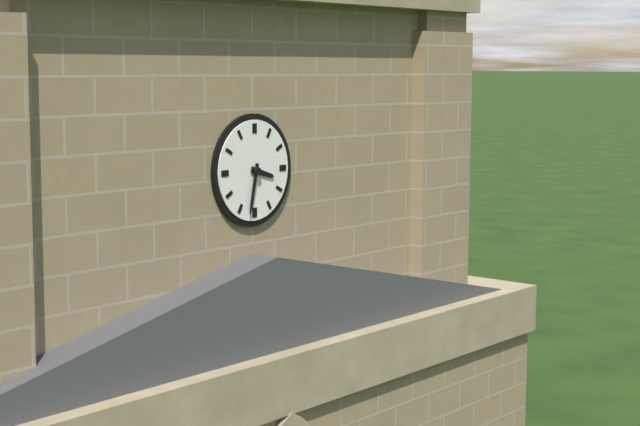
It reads 3h32
